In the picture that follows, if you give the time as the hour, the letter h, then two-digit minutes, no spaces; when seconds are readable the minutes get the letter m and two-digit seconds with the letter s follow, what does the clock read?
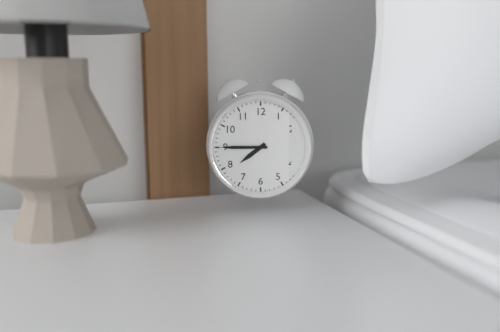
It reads 7h45
